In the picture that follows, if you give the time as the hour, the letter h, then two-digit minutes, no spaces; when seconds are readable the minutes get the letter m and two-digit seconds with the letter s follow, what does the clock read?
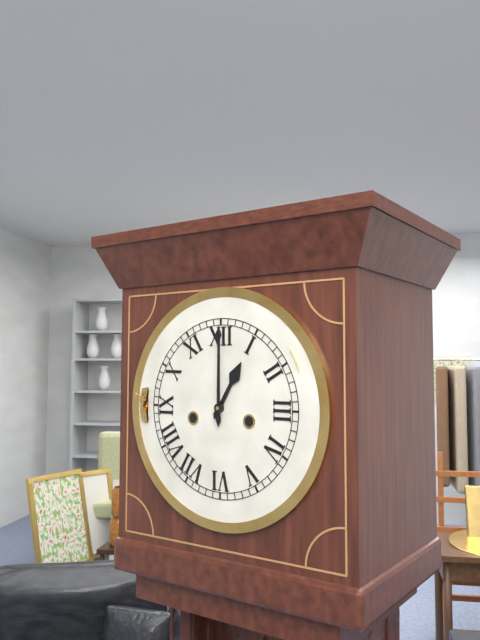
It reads 1h00
